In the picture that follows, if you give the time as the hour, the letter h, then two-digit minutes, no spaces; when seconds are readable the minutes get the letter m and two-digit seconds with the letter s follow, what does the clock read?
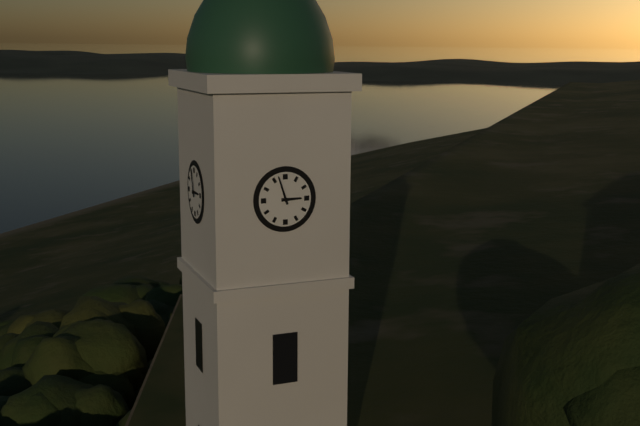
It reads 2h57
